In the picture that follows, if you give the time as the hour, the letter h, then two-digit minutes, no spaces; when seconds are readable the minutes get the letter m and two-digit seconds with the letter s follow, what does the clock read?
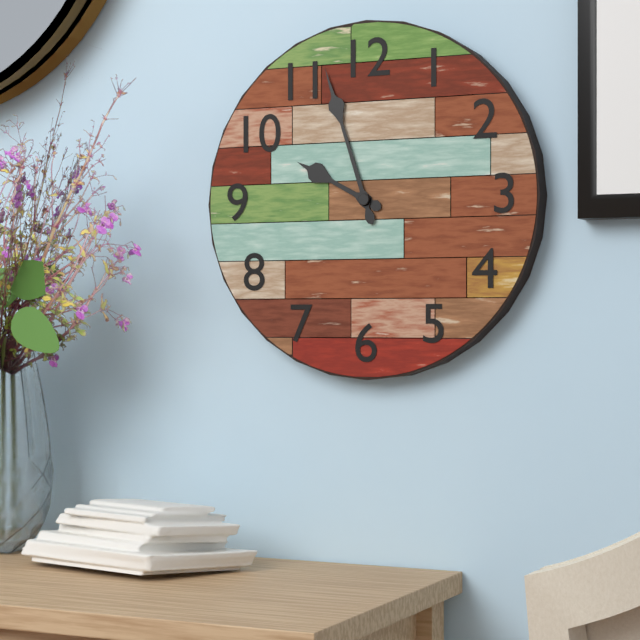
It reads 9h57
